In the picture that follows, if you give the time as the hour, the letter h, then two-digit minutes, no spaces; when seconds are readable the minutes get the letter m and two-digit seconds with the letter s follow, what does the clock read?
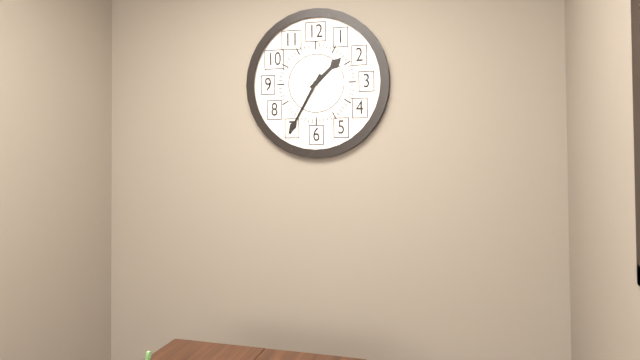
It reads 1h35
